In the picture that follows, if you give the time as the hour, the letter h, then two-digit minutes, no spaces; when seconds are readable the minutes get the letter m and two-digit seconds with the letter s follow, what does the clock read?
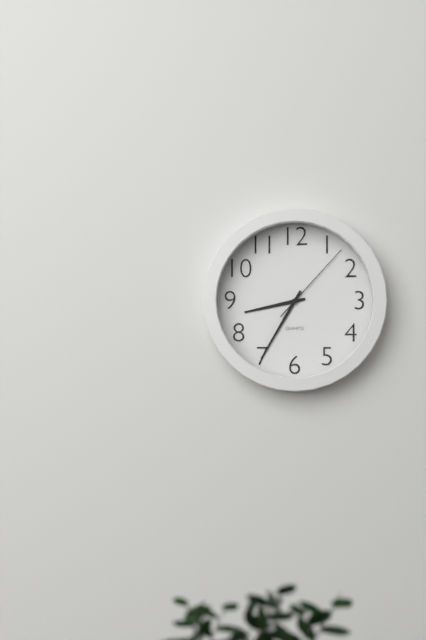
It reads 8h35m07s
